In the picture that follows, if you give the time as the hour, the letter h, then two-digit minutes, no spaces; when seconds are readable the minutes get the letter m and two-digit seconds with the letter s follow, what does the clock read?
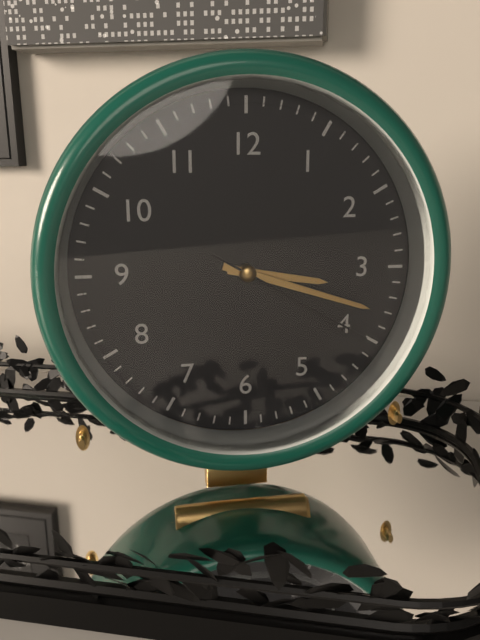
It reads 3h18m20s
